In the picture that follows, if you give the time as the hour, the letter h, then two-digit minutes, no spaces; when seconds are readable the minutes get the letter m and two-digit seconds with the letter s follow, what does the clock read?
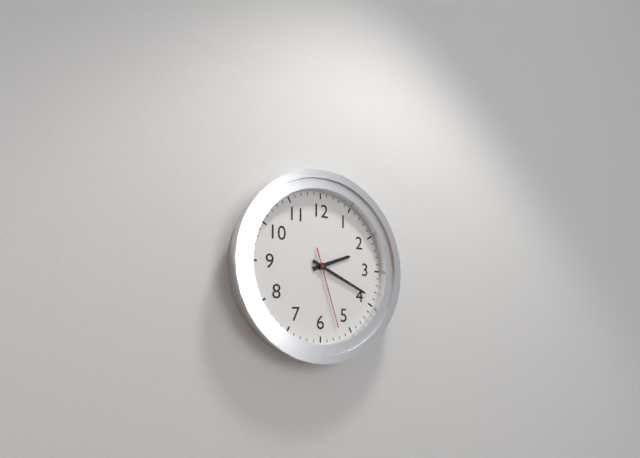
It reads 2h19m27s
